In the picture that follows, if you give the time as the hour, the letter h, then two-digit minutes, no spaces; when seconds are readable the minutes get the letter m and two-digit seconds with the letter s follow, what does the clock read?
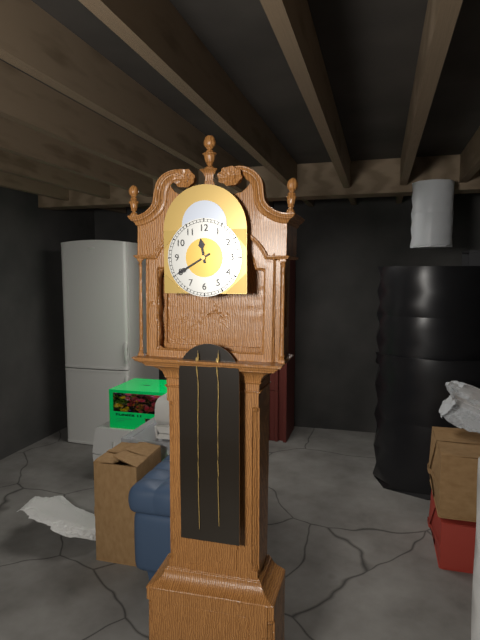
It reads 11h40
